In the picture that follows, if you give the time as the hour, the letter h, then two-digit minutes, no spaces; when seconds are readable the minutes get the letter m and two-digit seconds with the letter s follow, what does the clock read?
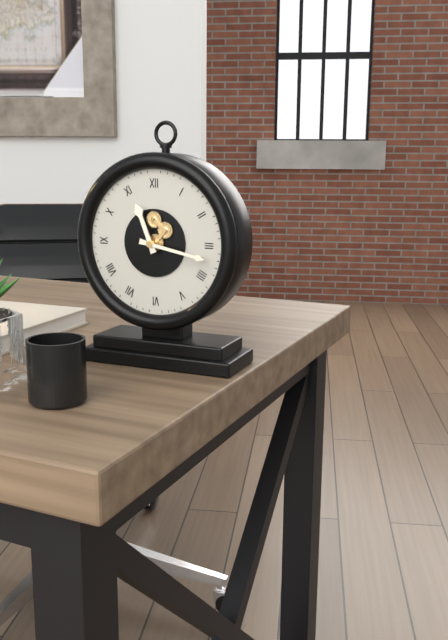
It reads 11h17
